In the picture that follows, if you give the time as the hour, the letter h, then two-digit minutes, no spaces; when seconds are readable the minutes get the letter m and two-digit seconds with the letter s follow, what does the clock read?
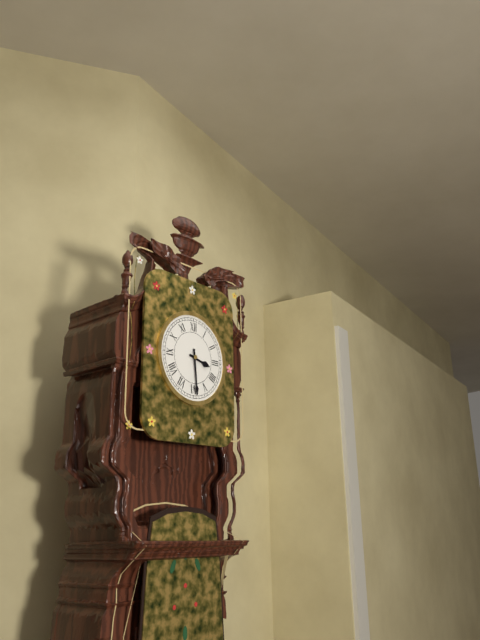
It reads 3h29
